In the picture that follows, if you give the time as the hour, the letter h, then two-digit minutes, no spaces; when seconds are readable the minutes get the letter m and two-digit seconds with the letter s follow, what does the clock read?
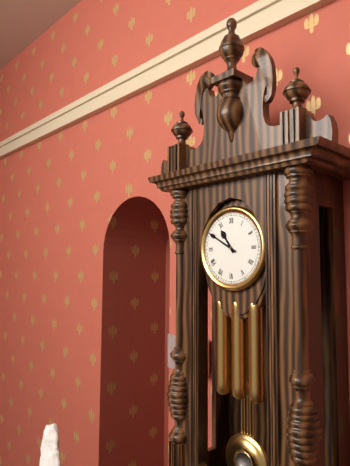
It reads 10h50
